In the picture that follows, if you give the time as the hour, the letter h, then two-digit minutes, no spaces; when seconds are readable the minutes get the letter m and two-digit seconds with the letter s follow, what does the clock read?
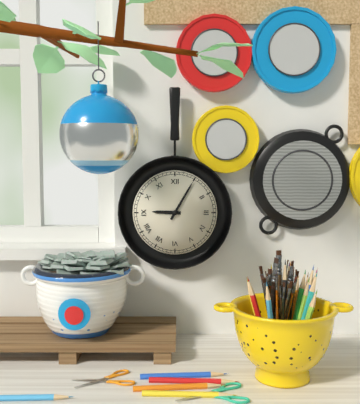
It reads 9h05
